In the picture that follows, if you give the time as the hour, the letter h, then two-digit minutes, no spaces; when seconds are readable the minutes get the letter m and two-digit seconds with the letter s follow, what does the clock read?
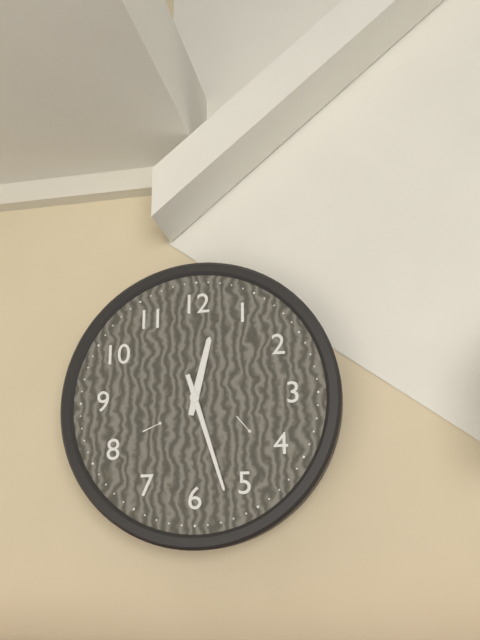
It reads 12h27
